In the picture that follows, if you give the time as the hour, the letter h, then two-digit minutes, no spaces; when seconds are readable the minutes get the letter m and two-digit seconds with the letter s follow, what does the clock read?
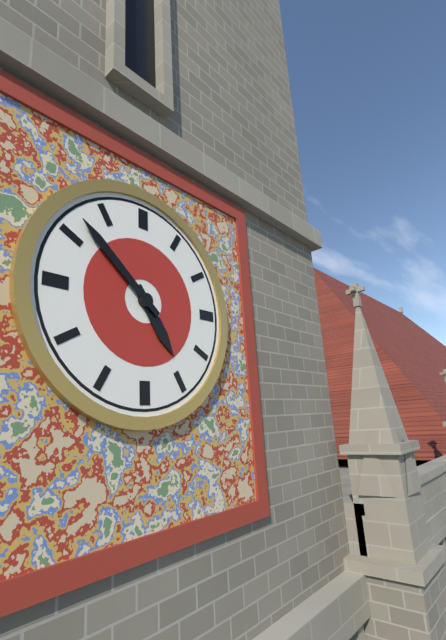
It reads 4h52
